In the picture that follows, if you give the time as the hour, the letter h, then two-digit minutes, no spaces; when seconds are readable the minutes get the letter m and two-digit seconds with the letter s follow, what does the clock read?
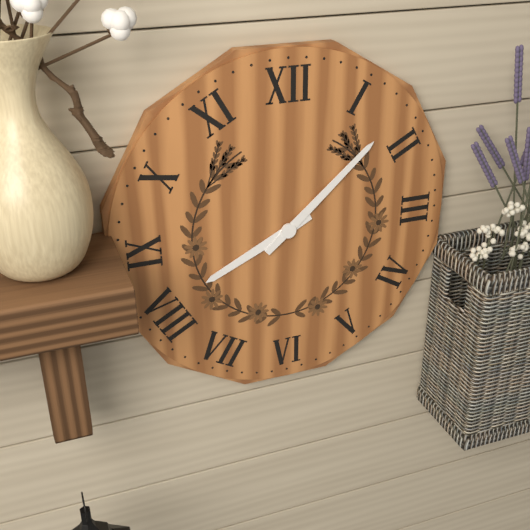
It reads 8h08
